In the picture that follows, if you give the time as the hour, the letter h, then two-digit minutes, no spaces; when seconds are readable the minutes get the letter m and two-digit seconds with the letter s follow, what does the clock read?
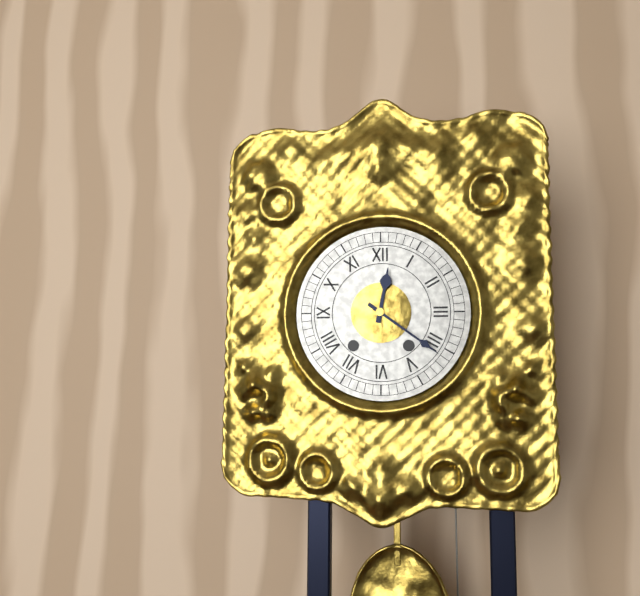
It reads 12h21
